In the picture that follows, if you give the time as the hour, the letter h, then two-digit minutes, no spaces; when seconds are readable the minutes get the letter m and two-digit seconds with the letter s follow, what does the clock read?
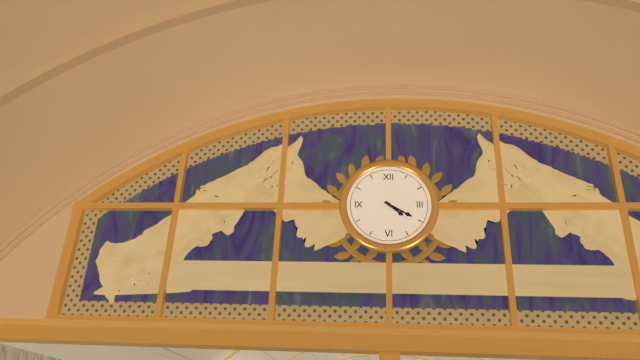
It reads 4h20
